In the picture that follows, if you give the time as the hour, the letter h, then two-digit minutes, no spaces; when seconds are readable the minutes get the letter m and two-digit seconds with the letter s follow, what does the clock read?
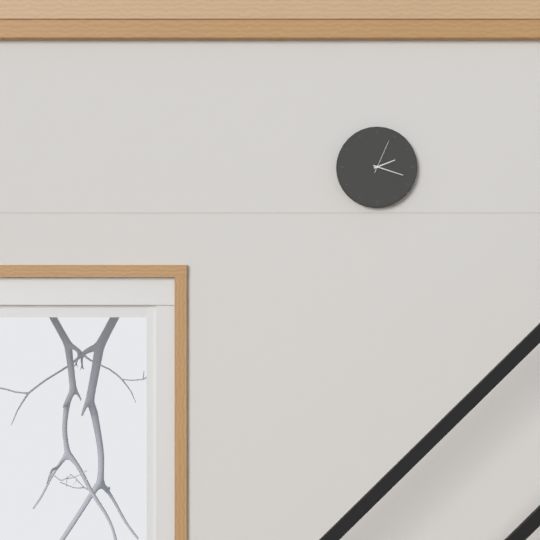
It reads 2h18
